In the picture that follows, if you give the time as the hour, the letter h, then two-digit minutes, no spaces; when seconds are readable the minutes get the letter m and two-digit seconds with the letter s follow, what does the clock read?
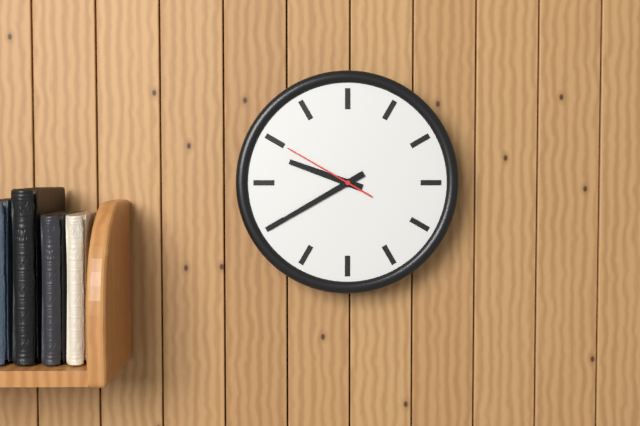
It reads 9h40m50s
